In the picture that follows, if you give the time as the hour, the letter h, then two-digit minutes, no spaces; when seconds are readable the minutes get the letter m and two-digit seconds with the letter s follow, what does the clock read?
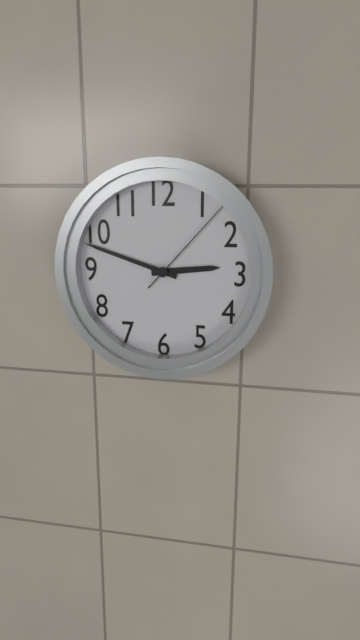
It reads 2h48m07s
